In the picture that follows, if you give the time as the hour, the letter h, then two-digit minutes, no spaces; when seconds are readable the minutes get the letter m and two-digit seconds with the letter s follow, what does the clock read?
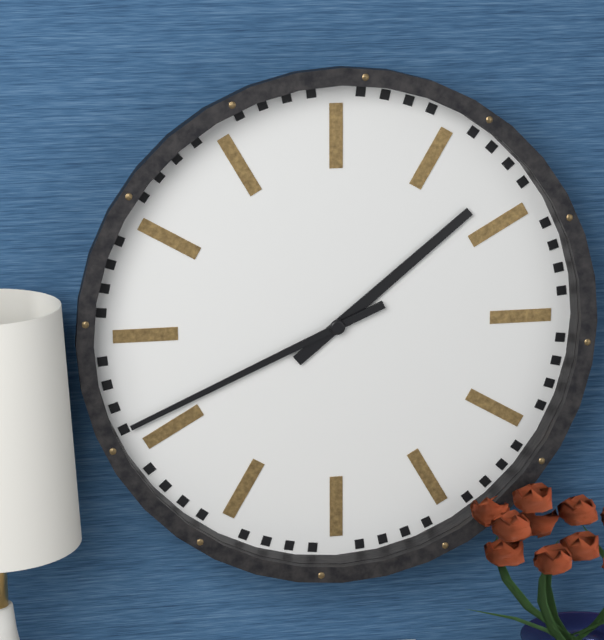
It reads 1h41
